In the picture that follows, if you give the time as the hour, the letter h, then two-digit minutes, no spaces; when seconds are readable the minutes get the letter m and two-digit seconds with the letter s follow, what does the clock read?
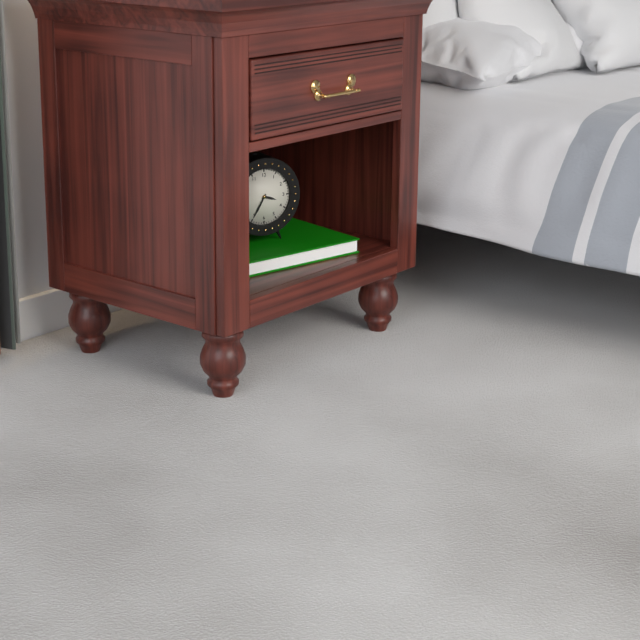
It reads 3h35
